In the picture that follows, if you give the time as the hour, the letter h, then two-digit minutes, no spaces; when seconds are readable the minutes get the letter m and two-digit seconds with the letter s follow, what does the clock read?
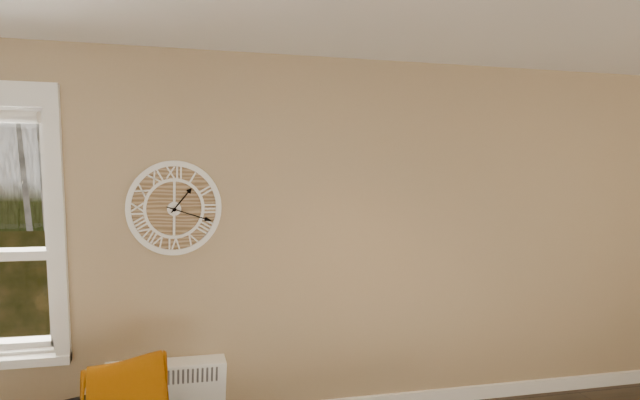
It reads 1h18
